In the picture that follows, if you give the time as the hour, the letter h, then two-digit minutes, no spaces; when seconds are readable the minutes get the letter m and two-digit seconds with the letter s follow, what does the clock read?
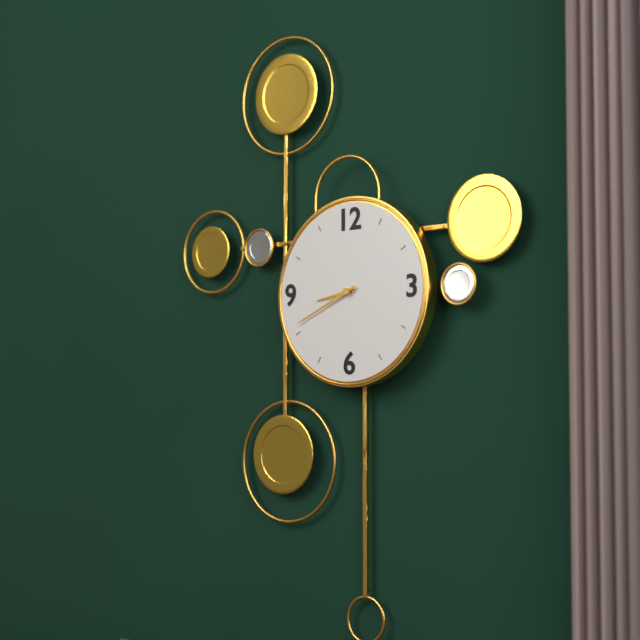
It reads 8h41
